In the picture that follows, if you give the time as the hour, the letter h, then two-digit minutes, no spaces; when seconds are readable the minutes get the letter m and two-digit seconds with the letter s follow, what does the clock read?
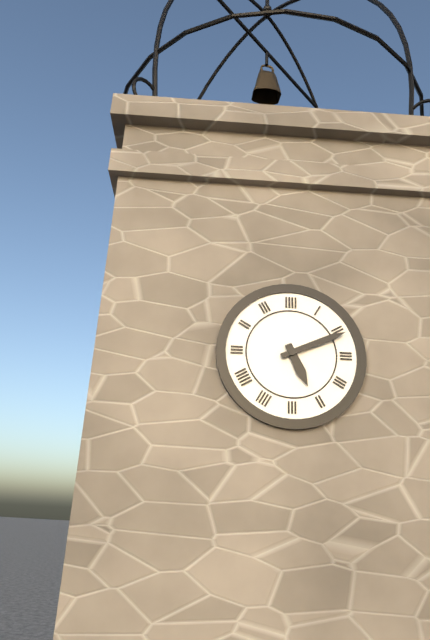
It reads 5h11
